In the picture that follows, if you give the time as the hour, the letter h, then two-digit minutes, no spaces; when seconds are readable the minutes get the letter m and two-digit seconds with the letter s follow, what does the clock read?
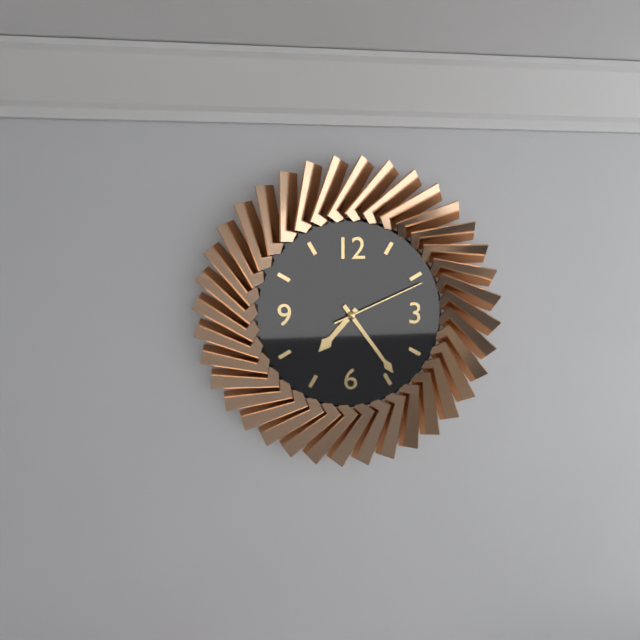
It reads 7h24m11s
